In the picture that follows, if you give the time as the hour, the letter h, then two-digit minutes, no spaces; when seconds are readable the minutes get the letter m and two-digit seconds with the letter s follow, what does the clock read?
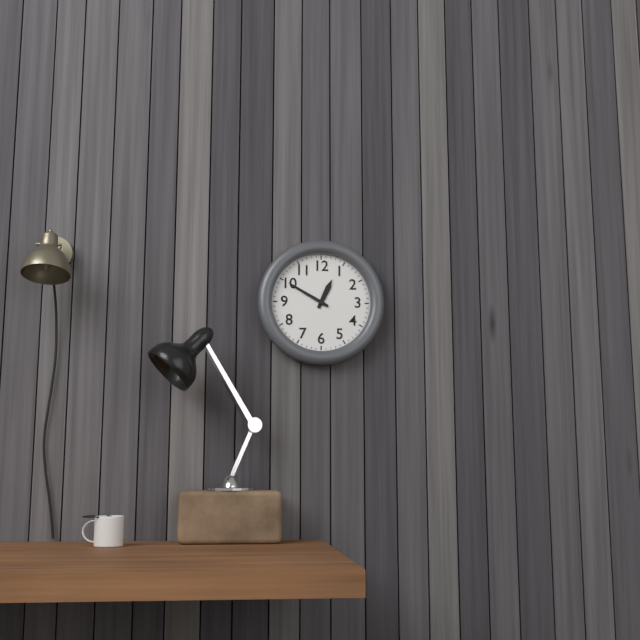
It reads 12h50
